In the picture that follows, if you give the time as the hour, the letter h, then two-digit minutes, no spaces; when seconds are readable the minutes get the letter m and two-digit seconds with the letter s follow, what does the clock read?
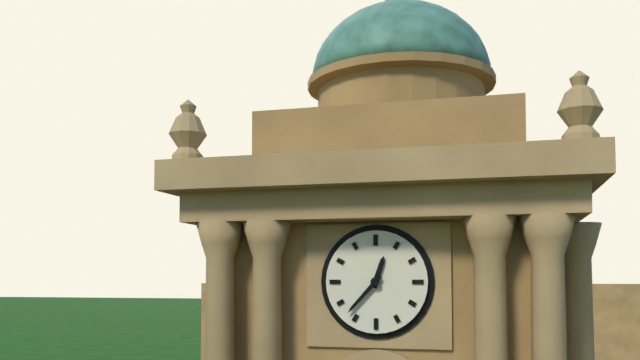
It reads 12h37
